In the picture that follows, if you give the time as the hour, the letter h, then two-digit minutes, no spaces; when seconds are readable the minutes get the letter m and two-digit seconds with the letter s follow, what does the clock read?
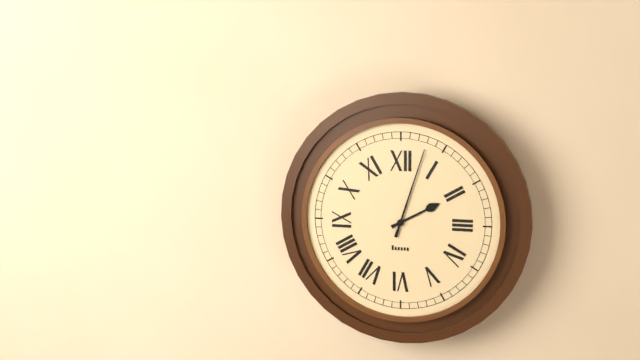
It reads 2h03
